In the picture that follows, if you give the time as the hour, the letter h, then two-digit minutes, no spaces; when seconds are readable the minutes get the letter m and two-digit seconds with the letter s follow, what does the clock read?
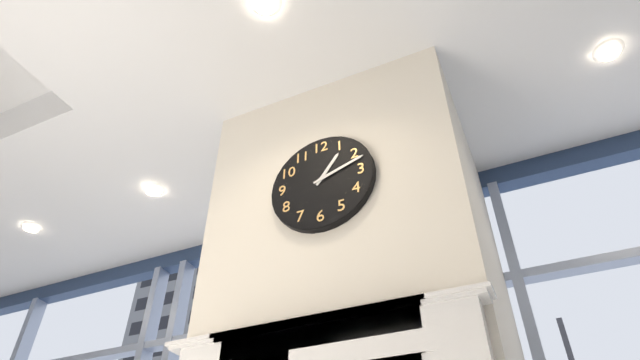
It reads 1h12
